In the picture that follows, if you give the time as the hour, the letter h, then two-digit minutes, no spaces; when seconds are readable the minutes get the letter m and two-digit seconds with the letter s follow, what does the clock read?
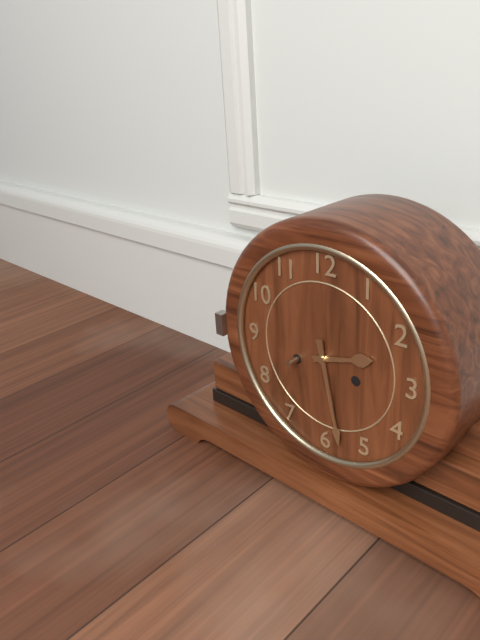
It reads 2h28
